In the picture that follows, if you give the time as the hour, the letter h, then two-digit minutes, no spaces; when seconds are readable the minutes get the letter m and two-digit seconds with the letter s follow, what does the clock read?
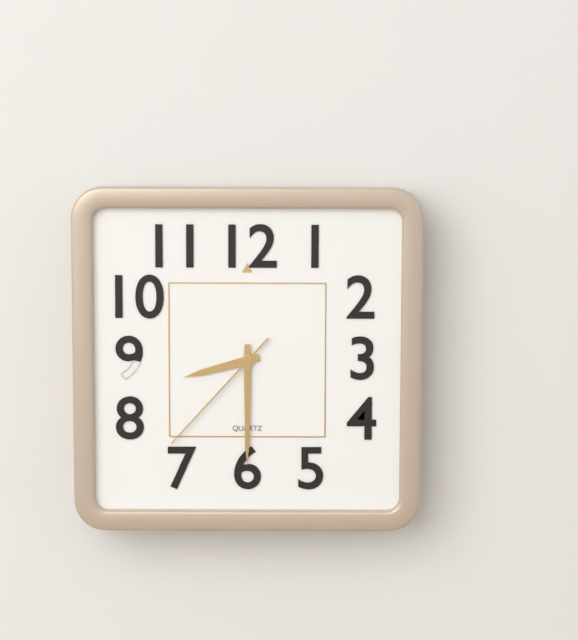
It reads 8h30m37s
